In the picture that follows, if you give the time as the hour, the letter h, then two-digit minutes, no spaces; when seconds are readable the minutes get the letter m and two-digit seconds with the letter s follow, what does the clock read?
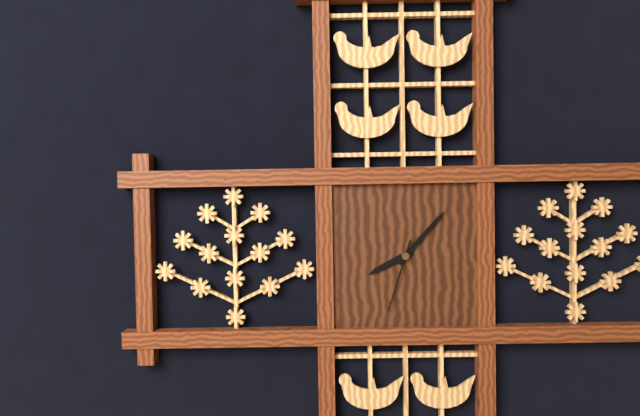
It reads 8h07m33s
